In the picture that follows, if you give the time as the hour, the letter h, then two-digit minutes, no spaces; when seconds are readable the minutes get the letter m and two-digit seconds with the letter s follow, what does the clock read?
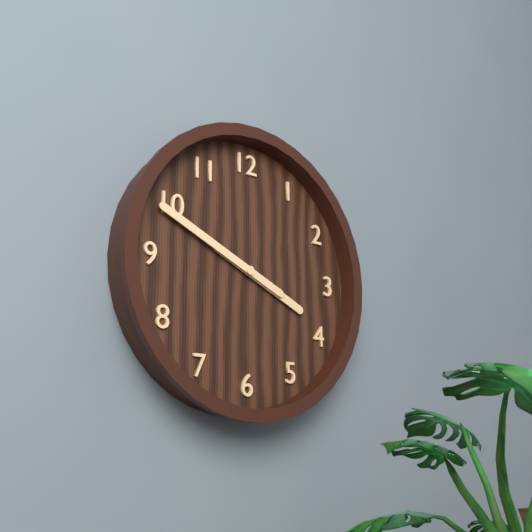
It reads 3h49
